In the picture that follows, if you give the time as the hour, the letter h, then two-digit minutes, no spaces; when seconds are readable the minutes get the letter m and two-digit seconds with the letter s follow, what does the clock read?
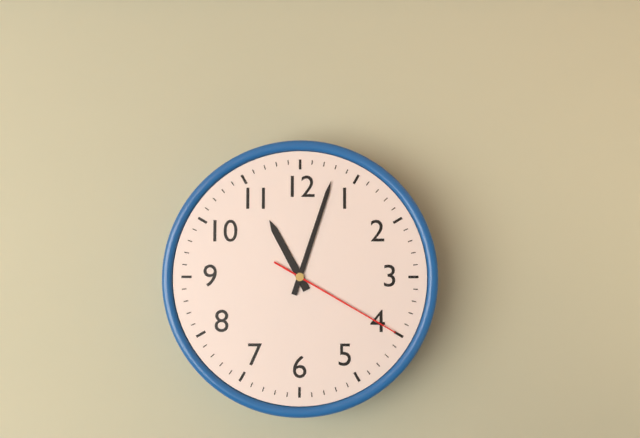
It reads 11h03m20s
